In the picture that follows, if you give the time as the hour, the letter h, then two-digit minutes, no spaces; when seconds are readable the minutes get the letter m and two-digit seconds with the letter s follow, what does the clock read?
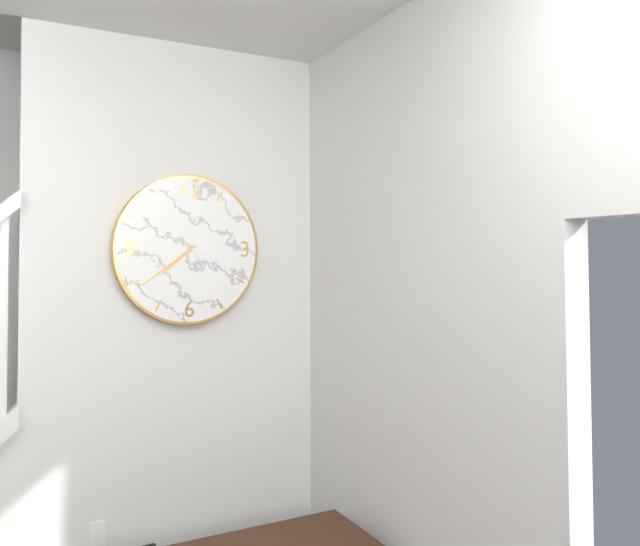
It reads 7h39
